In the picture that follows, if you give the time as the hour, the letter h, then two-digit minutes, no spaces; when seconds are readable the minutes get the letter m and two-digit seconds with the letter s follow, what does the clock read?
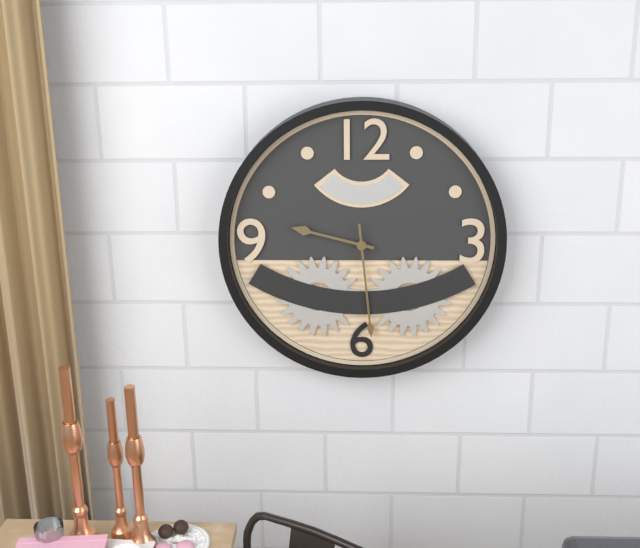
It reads 9h29
